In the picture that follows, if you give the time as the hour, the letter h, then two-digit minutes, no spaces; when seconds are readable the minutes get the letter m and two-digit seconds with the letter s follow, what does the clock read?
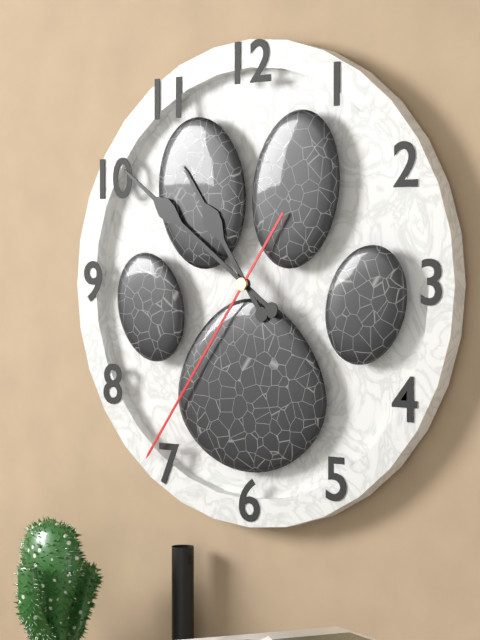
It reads 10h51m36s
